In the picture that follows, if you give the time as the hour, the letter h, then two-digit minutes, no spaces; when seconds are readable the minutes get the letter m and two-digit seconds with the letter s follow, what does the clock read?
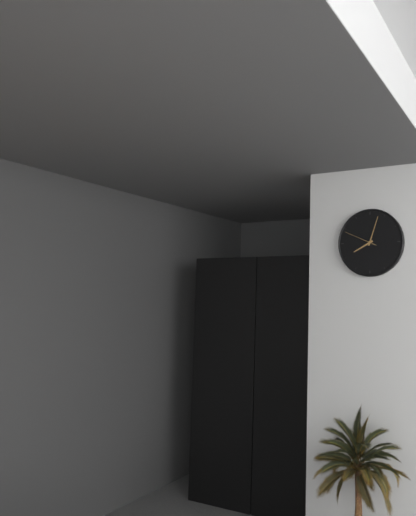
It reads 8h03
